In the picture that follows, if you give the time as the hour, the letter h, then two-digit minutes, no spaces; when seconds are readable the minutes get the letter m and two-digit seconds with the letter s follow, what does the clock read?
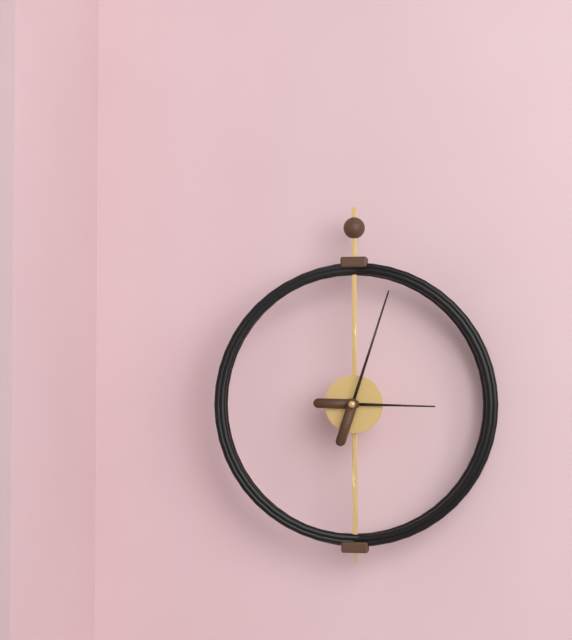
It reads 3h03
